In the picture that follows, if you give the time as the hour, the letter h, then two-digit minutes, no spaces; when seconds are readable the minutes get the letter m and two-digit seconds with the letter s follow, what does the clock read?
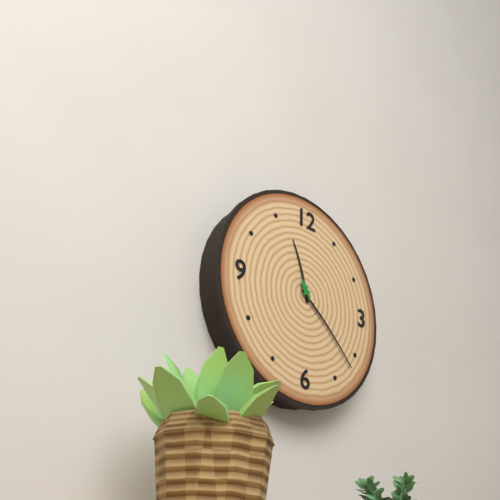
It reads 11h22
